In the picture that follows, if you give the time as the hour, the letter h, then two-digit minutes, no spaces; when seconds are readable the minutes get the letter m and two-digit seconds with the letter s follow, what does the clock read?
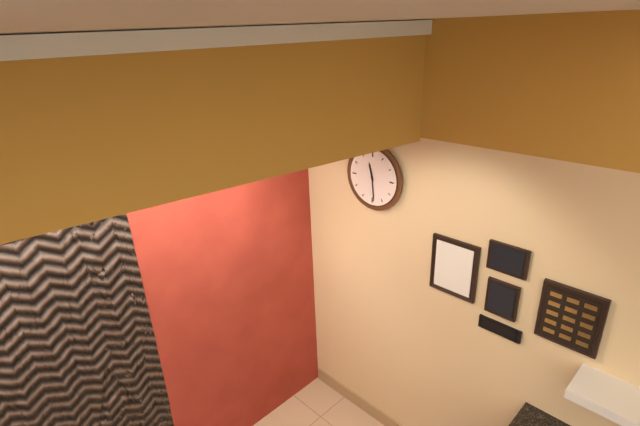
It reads 11h29
